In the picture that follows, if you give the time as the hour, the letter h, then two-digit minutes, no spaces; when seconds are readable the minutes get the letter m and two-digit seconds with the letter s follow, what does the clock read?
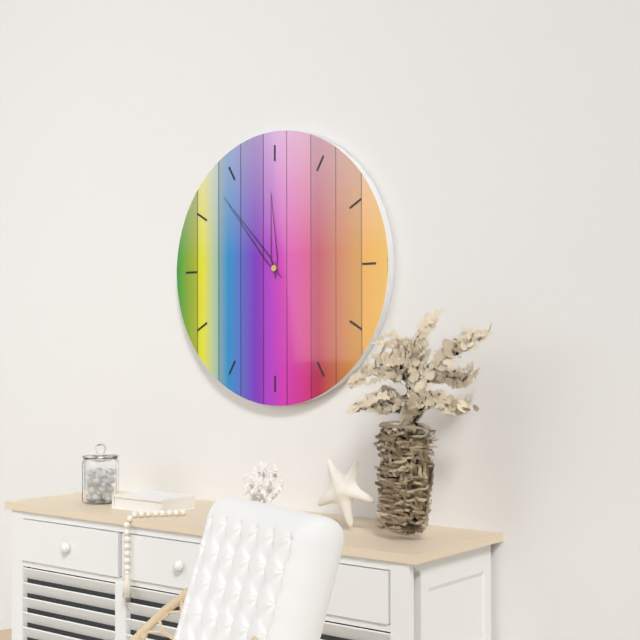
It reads 11h53
